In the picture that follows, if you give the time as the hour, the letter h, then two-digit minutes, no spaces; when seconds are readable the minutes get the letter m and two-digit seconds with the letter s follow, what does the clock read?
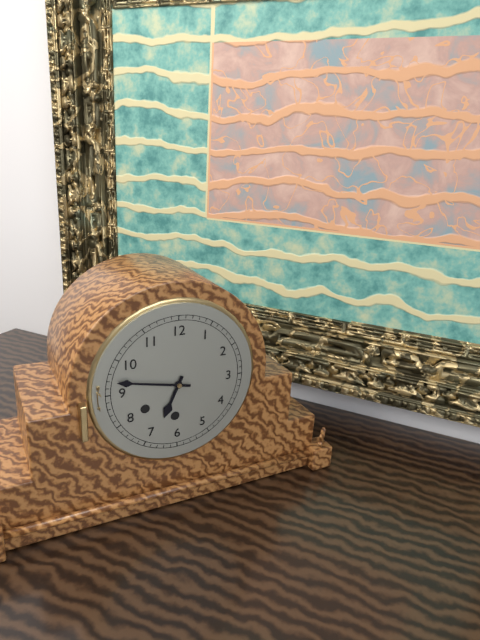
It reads 6h47
